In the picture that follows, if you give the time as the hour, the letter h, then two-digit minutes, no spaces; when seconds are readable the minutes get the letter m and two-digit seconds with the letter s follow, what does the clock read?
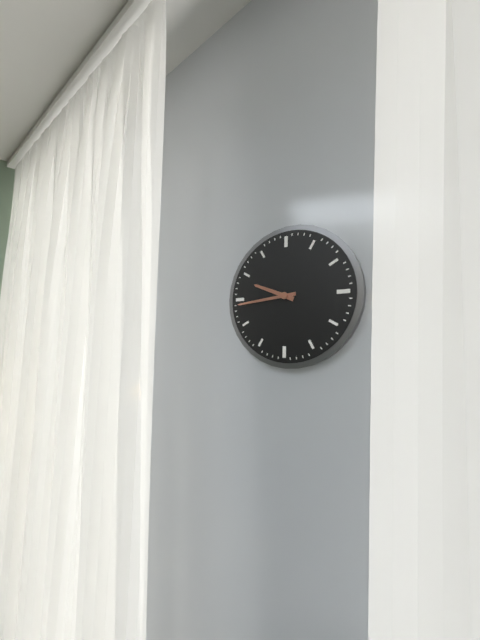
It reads 9h44
